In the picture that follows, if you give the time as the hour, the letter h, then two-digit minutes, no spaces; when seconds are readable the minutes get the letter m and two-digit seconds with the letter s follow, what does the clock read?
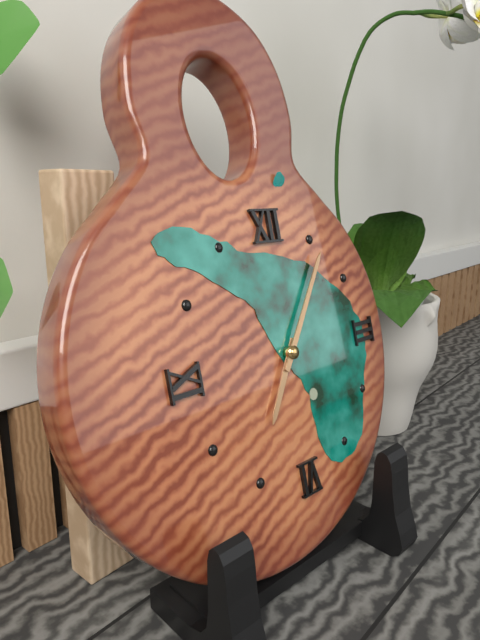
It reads 7h06
